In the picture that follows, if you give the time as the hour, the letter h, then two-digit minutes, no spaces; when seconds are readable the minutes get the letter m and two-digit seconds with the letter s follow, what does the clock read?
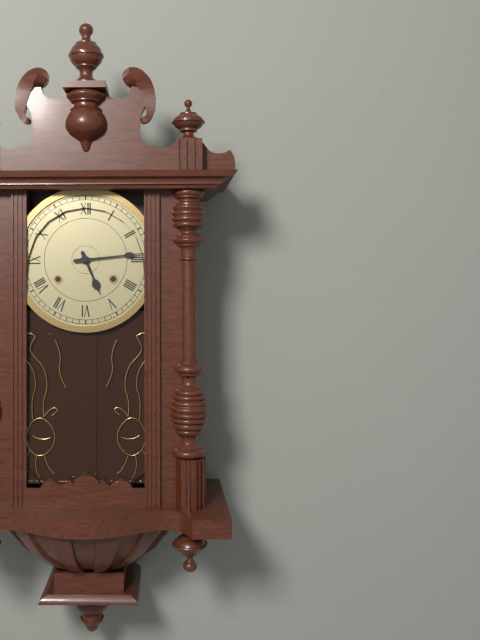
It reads 5h14
